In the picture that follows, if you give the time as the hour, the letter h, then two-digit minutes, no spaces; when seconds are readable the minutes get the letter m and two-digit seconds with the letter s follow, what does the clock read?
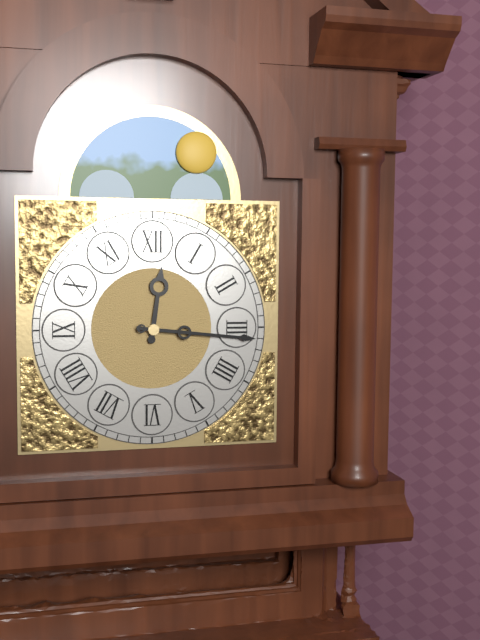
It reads 12h16
